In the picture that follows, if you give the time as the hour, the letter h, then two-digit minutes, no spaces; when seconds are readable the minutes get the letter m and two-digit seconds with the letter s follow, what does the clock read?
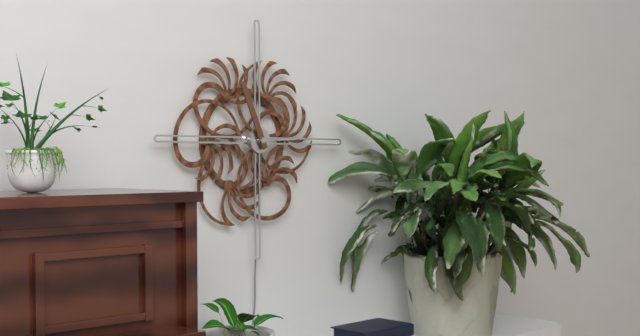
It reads 2h56
